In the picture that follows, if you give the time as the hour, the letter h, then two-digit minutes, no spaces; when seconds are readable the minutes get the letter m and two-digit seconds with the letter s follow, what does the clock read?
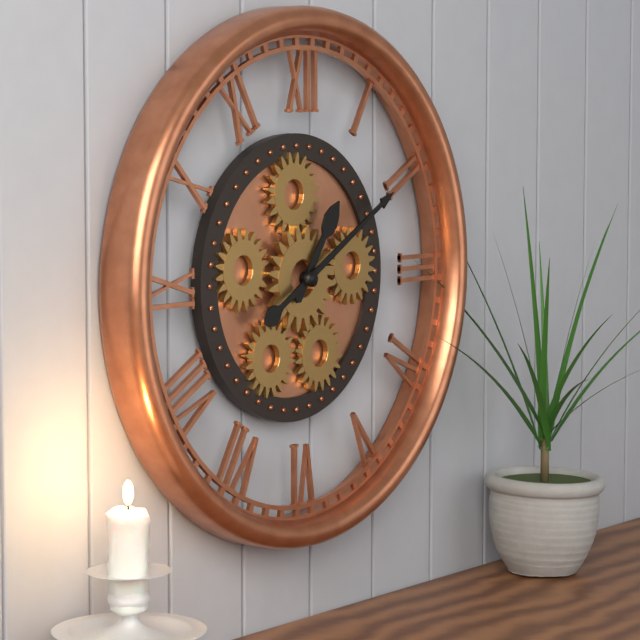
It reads 1h10
